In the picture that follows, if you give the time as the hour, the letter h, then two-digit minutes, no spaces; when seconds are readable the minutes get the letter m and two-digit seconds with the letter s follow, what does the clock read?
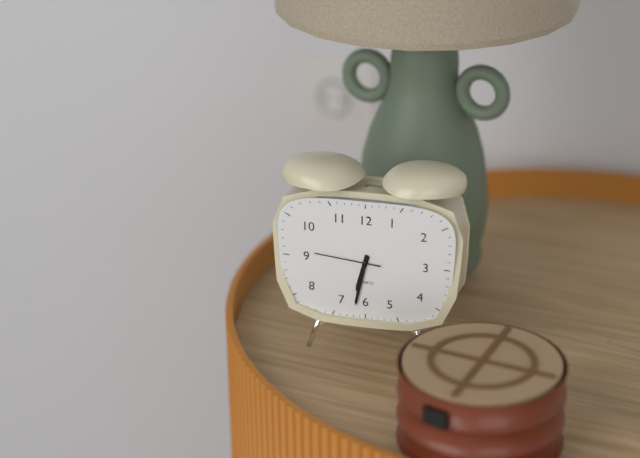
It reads 6h32m46s
